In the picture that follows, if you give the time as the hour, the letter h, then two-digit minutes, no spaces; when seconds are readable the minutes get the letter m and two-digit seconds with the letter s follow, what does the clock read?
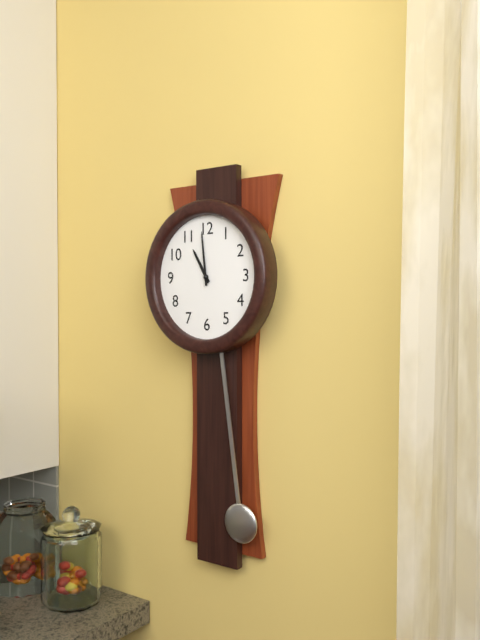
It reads 10h59
